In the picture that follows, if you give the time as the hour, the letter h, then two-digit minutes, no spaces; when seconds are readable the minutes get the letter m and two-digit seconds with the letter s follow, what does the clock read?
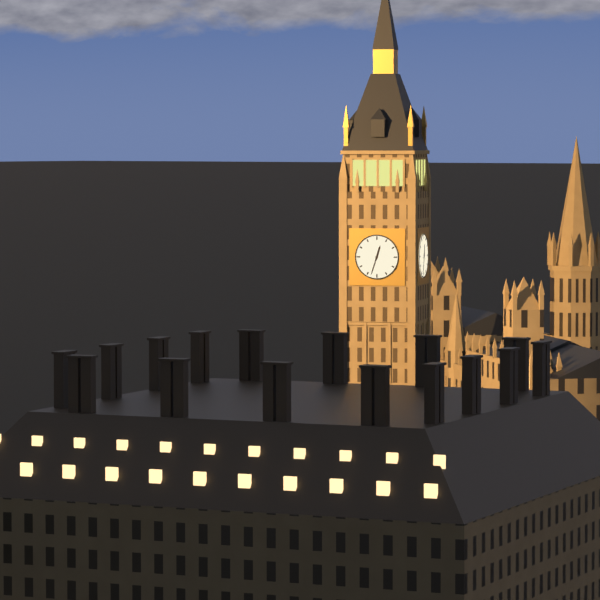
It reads 12h33
